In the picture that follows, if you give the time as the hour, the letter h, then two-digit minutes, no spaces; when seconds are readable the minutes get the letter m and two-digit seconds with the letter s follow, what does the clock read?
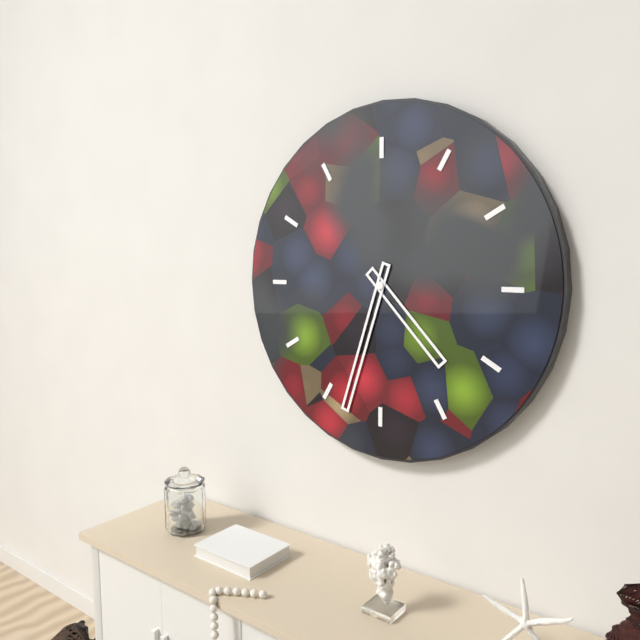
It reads 4h33
